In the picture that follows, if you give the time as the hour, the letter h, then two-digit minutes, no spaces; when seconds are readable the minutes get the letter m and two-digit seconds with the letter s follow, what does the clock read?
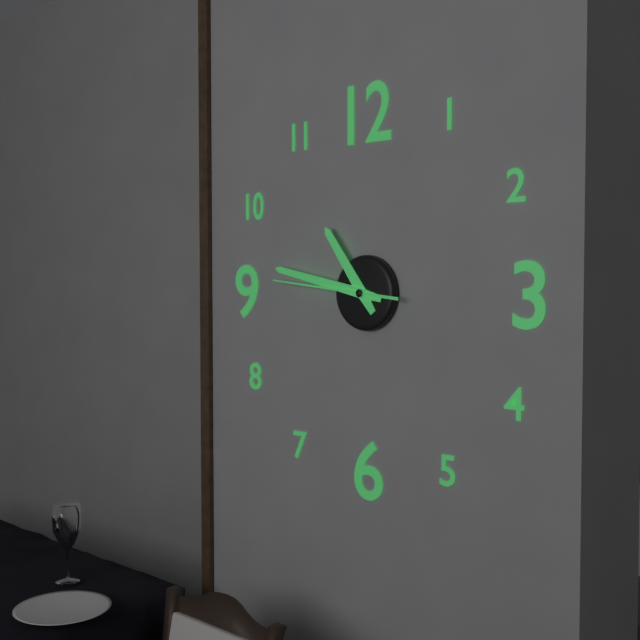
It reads 10h47m46s
